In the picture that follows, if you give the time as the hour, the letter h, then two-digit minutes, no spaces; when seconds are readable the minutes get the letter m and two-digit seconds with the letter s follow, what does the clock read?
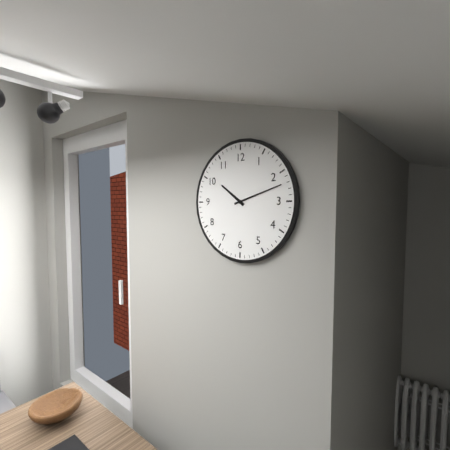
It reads 10h12
